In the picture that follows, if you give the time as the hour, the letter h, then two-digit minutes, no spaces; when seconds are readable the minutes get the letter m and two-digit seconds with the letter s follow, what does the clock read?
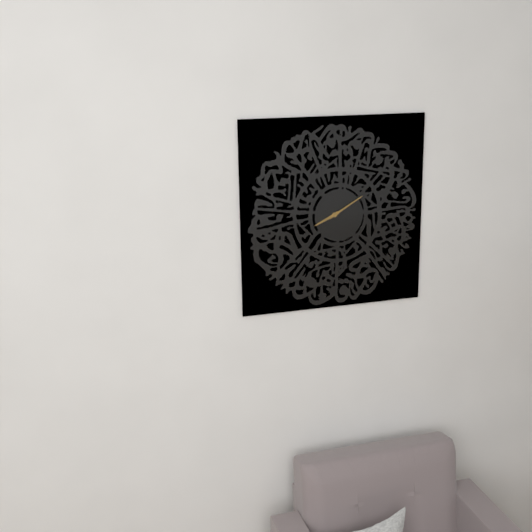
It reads 8h10
